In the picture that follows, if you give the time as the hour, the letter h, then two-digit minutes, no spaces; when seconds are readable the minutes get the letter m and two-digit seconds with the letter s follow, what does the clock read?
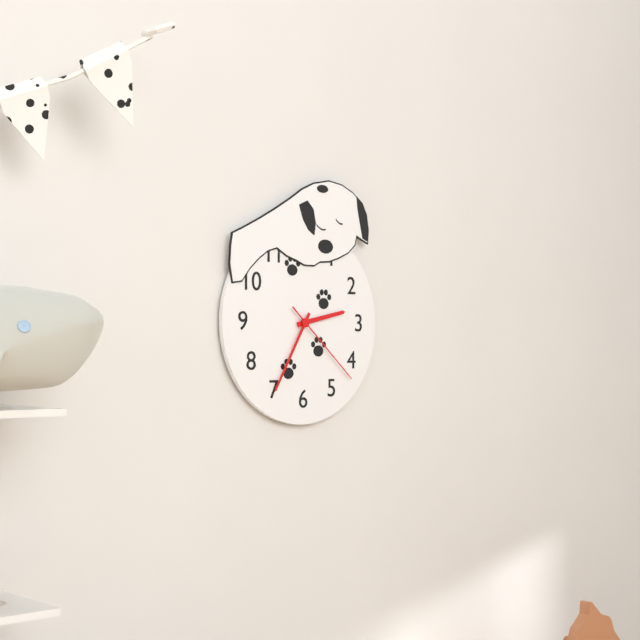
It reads 2h35m22s
